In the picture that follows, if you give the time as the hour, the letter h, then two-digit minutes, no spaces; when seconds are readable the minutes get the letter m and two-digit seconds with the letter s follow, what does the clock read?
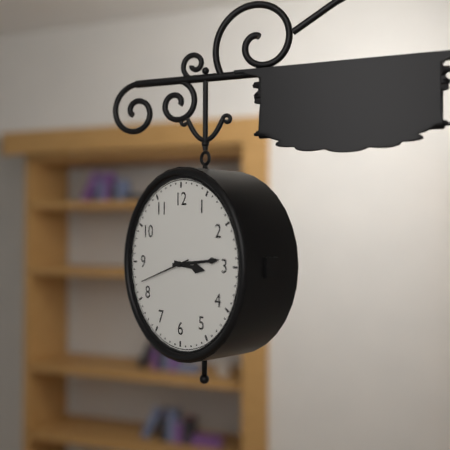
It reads 3h14m42s
